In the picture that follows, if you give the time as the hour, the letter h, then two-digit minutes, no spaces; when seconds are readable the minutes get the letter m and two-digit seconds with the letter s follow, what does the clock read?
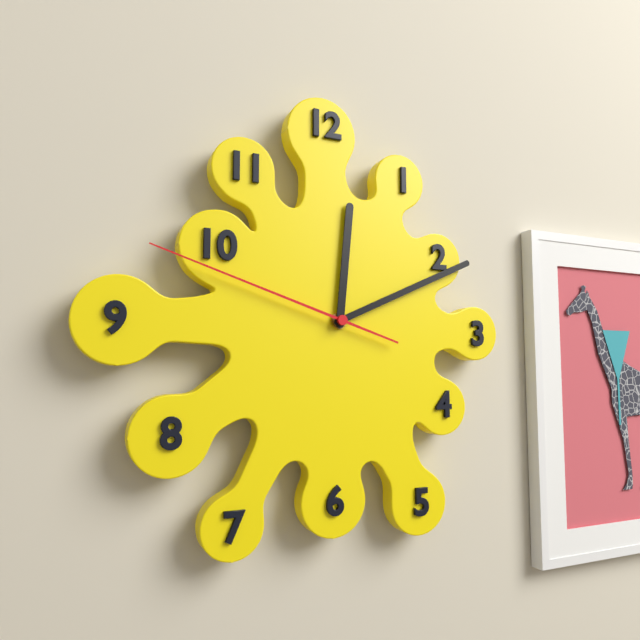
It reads 12h11m48s
